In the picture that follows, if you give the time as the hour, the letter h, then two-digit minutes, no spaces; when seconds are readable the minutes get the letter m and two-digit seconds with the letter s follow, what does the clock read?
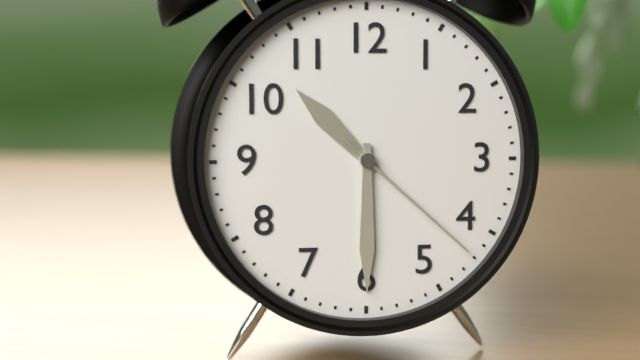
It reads 10h30m22s
